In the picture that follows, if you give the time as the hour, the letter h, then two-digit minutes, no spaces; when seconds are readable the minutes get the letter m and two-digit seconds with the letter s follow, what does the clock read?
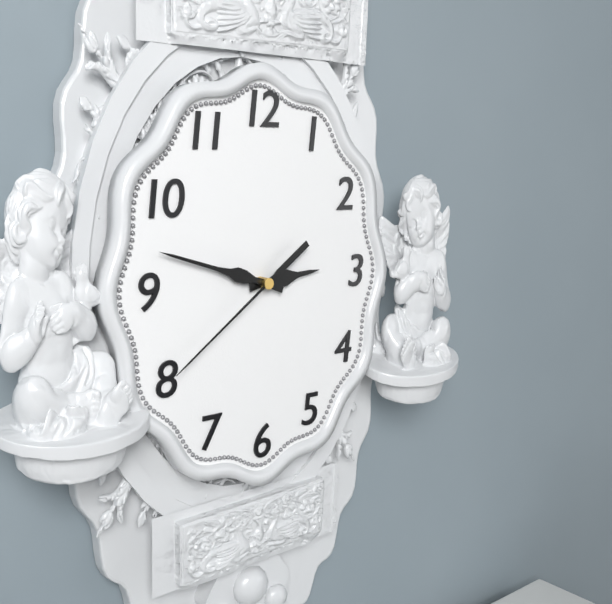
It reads 2h48m39s
